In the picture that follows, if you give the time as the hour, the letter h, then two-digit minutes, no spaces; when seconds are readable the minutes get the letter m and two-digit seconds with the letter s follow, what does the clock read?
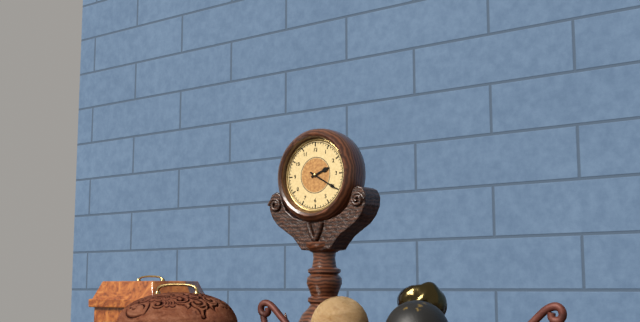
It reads 2h20
